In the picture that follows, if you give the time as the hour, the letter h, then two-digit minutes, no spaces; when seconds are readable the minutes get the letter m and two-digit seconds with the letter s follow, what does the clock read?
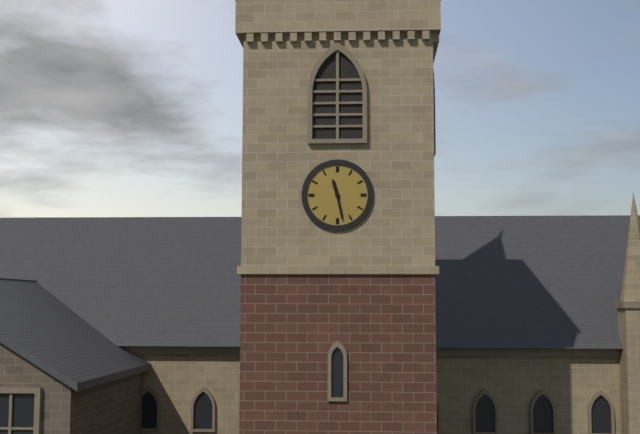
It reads 11h28
